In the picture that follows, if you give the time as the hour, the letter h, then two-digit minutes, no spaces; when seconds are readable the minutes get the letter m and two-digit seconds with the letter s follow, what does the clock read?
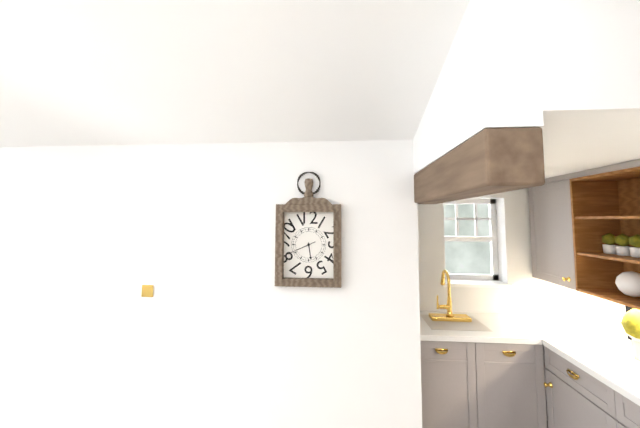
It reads 5h41
